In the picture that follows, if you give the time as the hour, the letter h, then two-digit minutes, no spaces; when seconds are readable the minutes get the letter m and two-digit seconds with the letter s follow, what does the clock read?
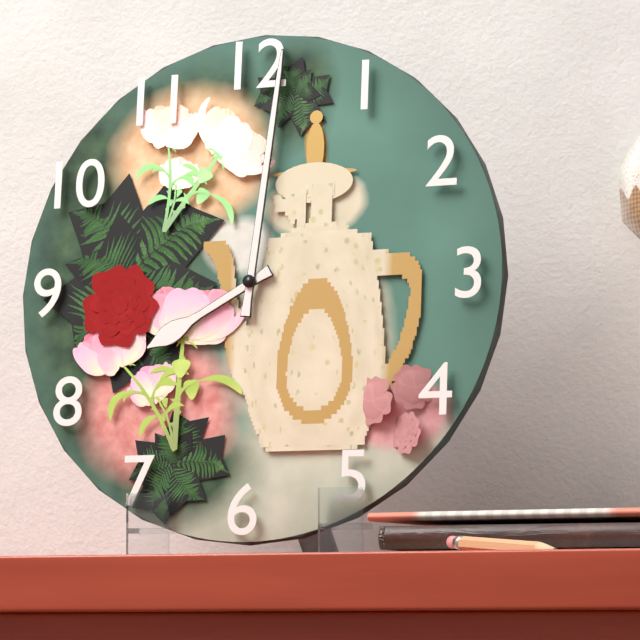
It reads 8h01
